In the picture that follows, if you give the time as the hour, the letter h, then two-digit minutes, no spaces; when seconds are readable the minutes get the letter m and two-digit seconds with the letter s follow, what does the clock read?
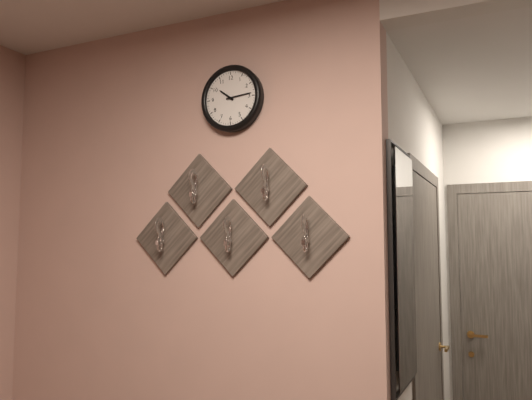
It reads 10h14
